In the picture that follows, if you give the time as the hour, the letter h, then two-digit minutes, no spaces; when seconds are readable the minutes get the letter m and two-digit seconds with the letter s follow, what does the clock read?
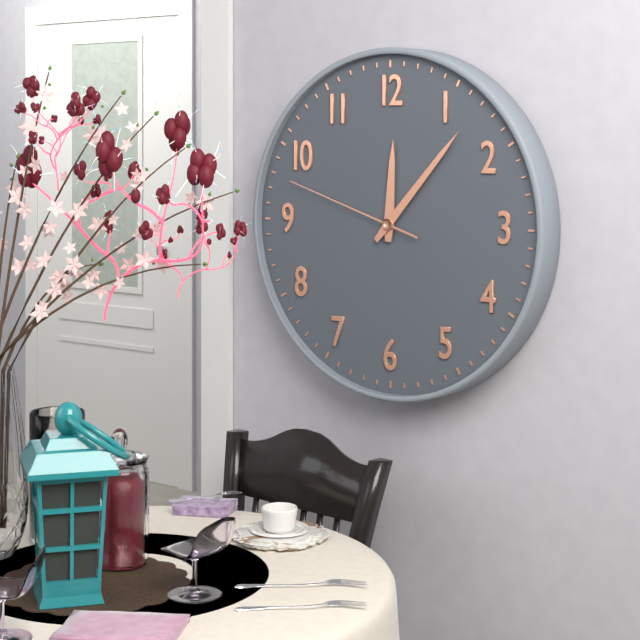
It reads 12h07m48s
